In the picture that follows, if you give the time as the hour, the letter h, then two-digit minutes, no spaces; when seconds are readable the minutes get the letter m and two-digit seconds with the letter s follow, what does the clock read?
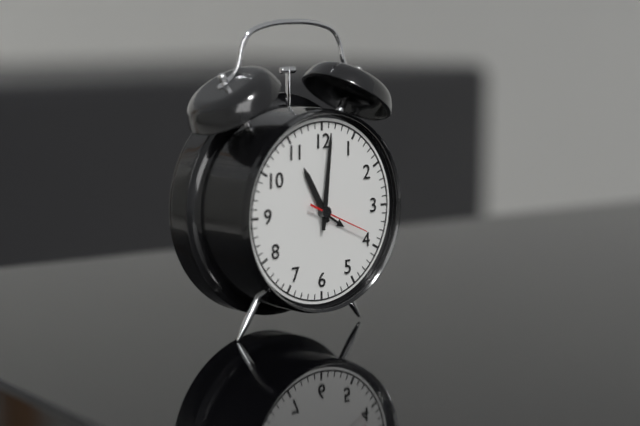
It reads 11h01m19s
